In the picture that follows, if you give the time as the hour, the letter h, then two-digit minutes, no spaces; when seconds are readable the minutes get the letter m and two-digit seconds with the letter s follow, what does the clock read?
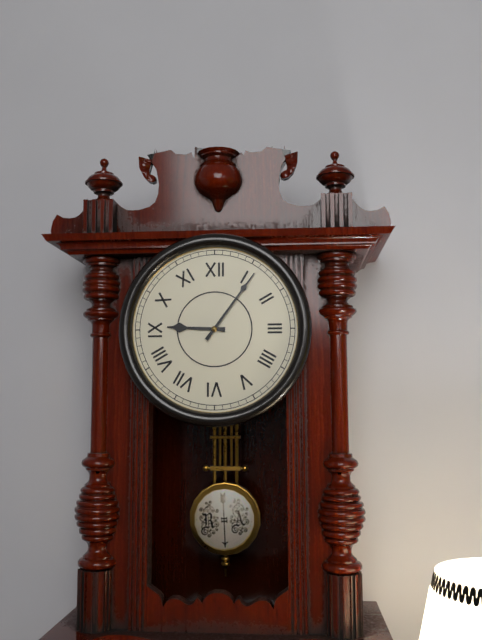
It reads 9h06
